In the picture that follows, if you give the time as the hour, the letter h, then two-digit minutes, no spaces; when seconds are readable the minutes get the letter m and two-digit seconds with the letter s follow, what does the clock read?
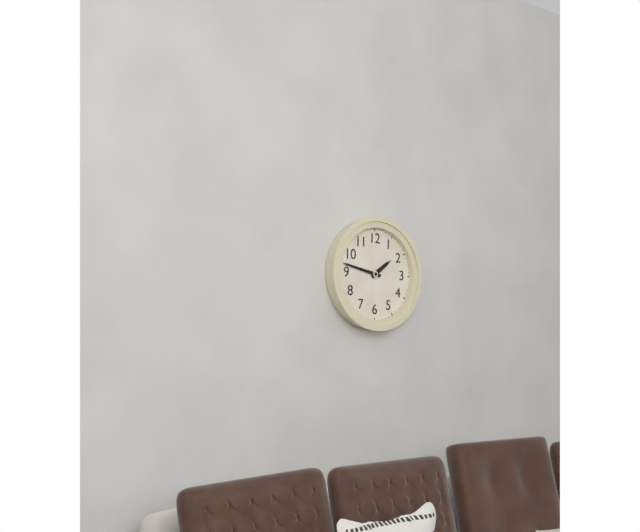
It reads 1h47
